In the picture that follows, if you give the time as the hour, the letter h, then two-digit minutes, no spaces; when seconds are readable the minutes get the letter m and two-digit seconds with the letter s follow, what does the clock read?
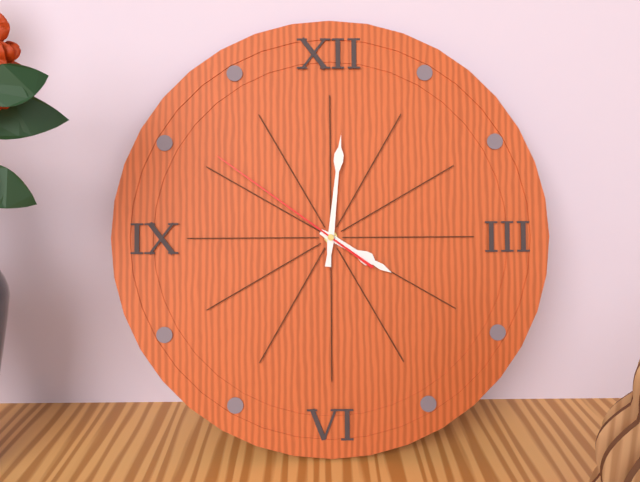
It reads 4h01m51s
